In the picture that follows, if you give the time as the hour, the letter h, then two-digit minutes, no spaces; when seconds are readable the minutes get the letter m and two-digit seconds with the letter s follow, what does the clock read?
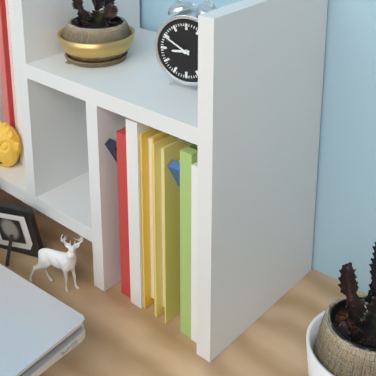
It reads 8h50
